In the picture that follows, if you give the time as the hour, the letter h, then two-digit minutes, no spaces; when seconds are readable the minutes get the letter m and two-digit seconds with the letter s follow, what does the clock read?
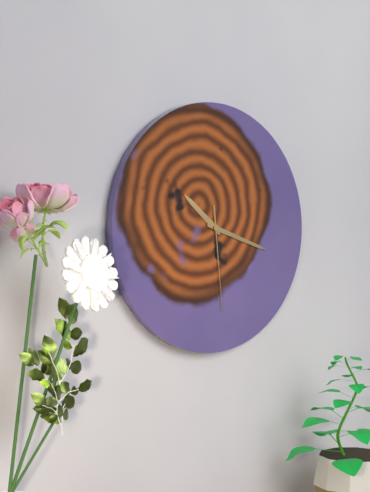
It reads 10h18m29s
